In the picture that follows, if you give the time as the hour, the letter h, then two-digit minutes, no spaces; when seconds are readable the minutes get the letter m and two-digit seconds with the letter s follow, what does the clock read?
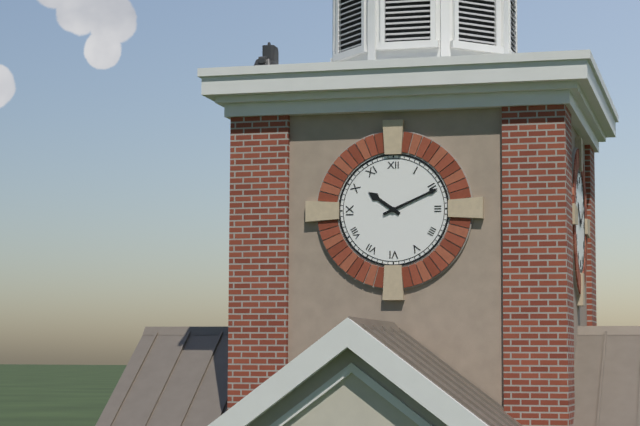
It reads 10h11
